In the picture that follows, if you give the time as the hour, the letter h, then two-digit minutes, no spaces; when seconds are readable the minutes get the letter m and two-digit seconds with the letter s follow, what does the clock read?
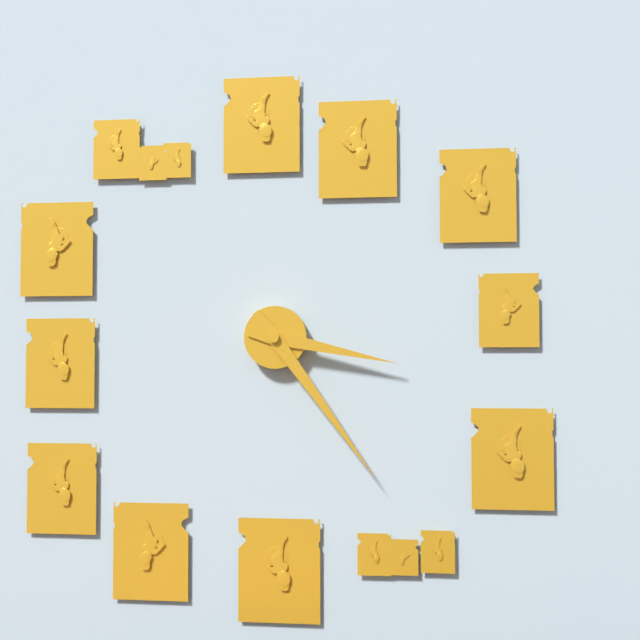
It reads 3h24
